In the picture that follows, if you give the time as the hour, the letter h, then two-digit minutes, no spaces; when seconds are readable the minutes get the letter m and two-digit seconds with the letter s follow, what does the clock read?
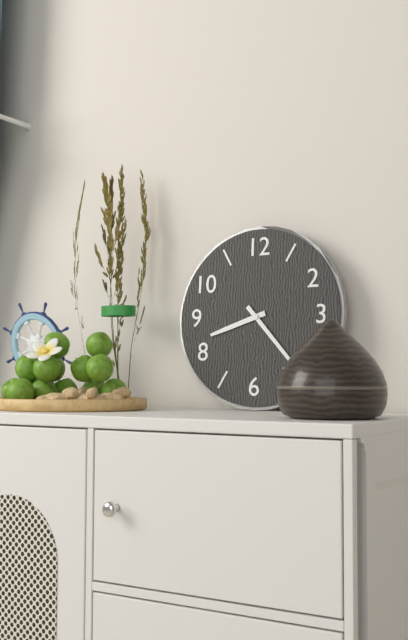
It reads 8h23
